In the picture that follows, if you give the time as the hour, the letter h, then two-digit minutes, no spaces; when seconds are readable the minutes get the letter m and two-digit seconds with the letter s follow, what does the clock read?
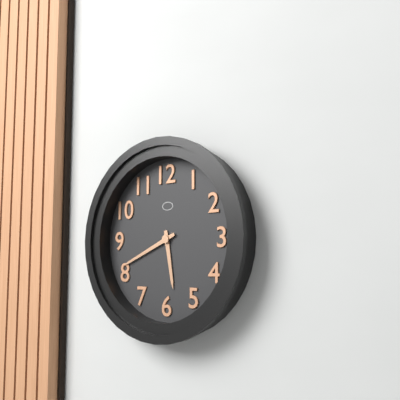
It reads 5h41
